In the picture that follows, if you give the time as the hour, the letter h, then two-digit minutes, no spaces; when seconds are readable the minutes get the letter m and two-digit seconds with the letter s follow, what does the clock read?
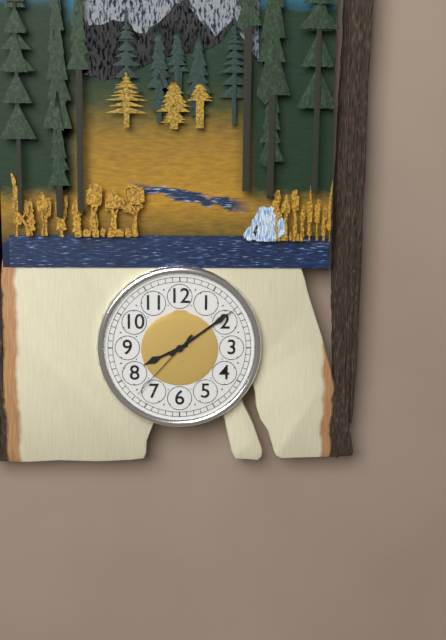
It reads 8h09m37s
